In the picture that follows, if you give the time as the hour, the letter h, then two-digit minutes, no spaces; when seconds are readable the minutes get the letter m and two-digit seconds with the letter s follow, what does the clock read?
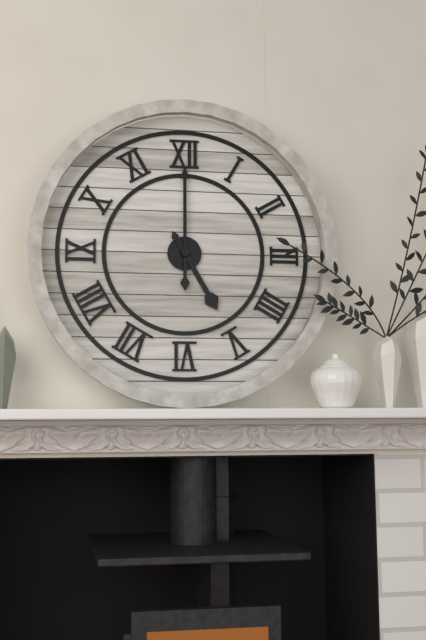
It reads 5h00
